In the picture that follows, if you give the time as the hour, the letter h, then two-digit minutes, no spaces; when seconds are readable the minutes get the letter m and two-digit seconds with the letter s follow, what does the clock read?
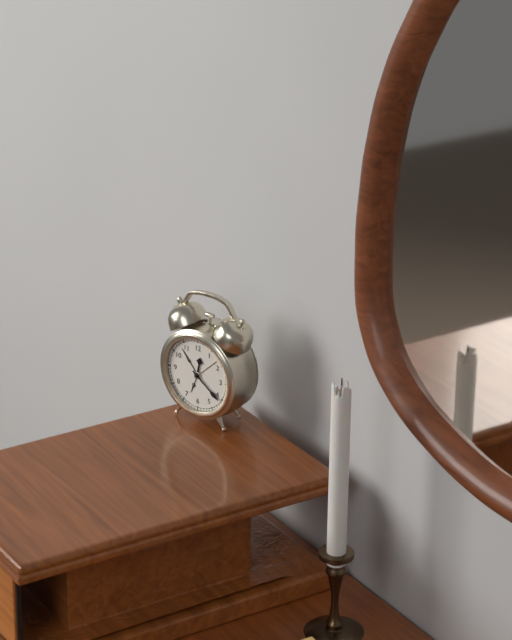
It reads 12h21
